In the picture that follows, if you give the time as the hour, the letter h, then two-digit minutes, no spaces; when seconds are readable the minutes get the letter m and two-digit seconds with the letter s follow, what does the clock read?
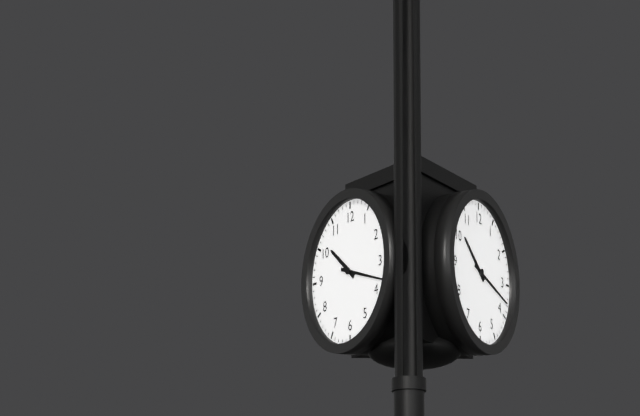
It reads 10h18
